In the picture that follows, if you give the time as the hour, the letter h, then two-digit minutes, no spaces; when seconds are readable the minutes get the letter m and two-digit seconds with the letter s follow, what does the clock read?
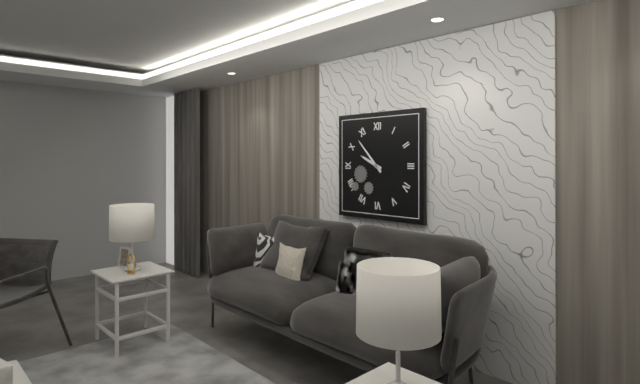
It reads 9h53
